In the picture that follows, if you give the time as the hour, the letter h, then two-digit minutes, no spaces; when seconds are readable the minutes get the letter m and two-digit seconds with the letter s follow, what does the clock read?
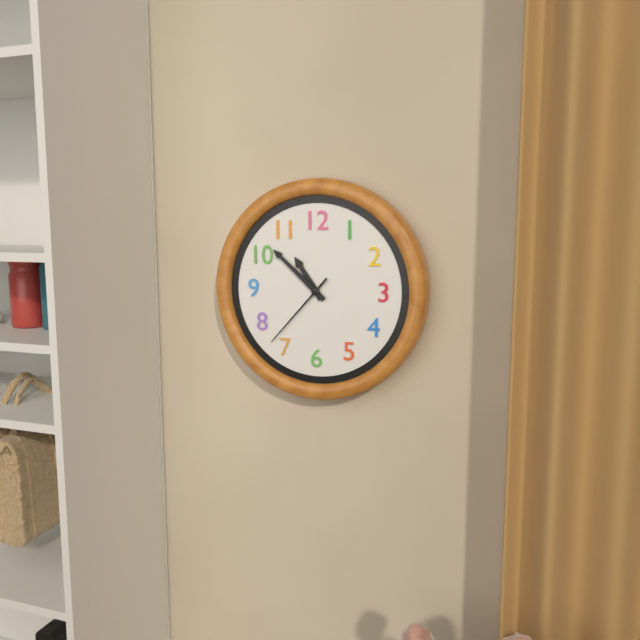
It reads 10h52m37s
